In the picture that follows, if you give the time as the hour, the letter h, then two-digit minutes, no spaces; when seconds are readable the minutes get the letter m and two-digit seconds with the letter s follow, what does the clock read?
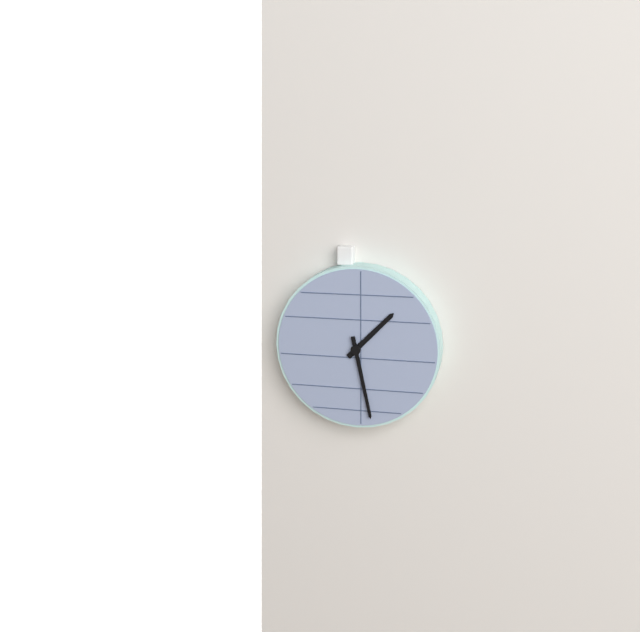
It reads 1h28
